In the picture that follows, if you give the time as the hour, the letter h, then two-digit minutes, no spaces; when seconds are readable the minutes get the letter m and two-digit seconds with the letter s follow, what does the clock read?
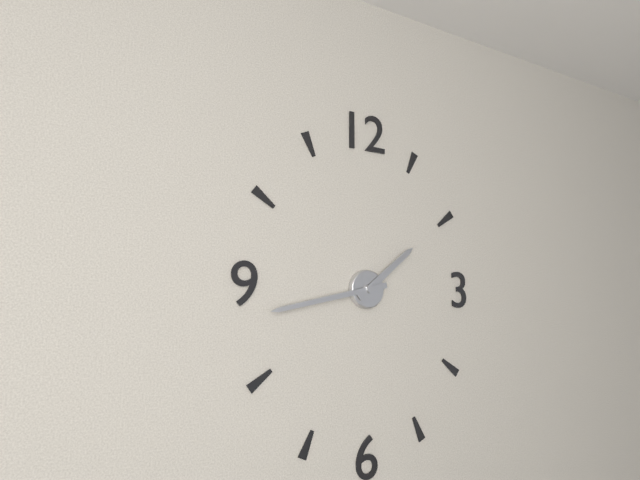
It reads 1h43
